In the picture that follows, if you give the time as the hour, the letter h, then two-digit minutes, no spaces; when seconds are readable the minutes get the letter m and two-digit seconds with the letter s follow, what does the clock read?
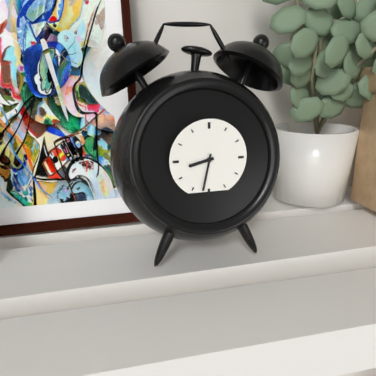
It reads 8h32
